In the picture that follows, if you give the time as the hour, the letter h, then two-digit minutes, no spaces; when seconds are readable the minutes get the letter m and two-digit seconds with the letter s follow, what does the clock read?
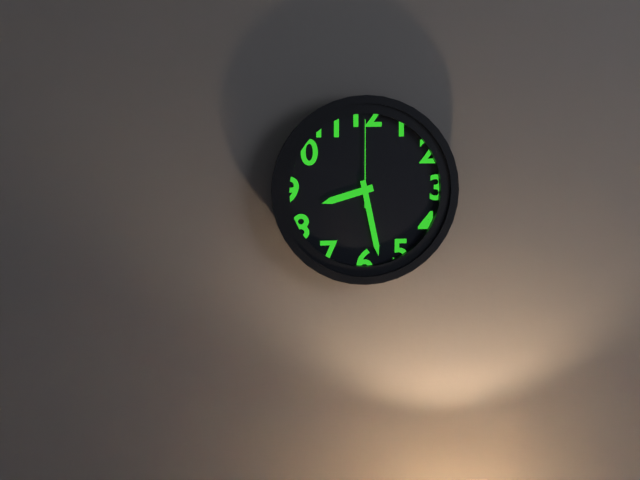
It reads 8h28m00s
